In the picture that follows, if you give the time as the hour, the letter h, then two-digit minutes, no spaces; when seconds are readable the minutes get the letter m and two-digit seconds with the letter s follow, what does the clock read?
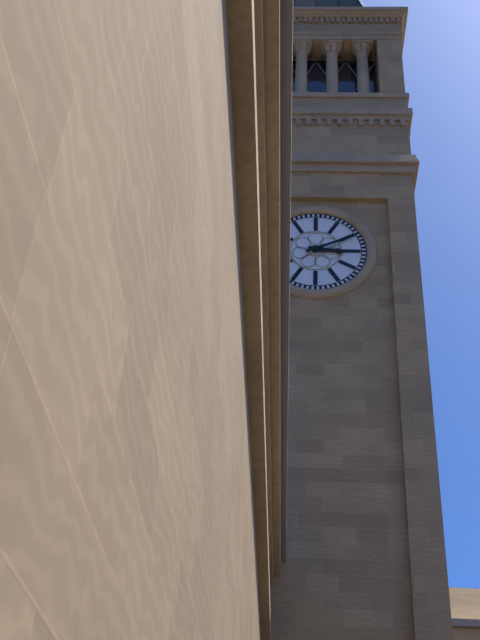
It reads 3h11
